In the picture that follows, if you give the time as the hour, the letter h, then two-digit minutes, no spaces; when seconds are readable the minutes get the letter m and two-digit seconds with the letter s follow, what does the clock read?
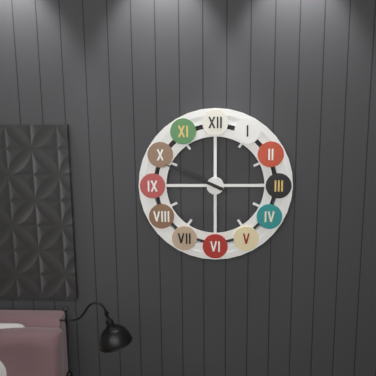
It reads 9h49
